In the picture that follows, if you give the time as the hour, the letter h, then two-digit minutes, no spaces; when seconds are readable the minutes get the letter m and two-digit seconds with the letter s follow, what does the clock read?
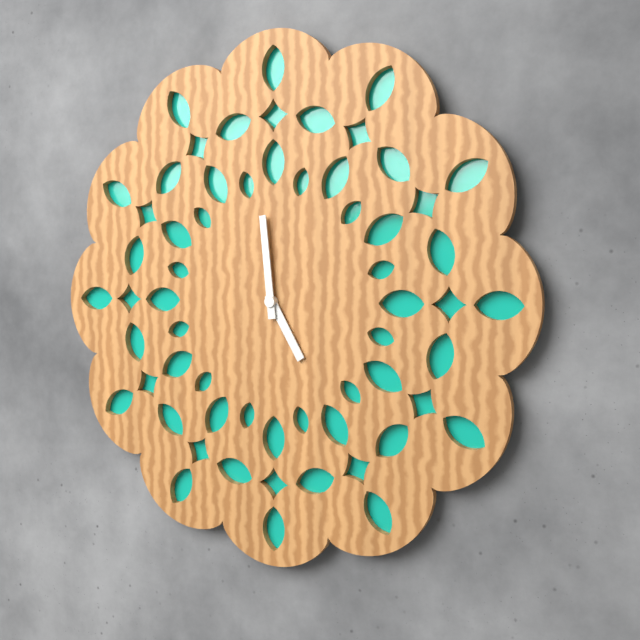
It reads 4h59
